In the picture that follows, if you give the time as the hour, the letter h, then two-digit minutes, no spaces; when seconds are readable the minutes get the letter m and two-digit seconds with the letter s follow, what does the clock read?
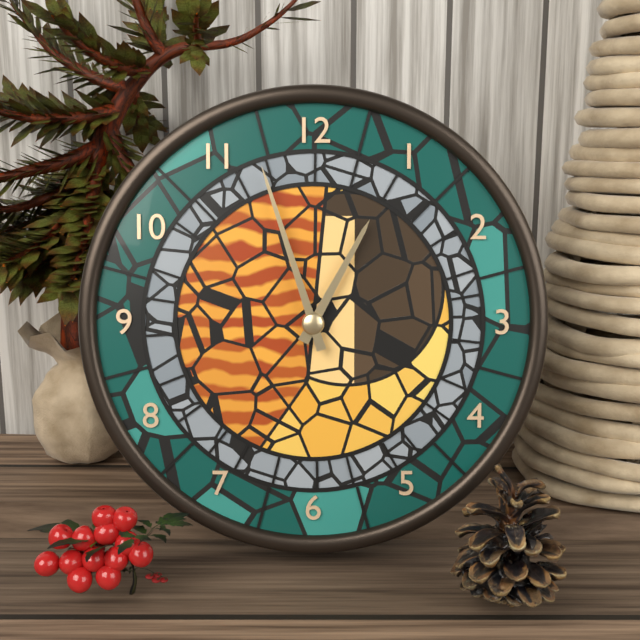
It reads 12h57
